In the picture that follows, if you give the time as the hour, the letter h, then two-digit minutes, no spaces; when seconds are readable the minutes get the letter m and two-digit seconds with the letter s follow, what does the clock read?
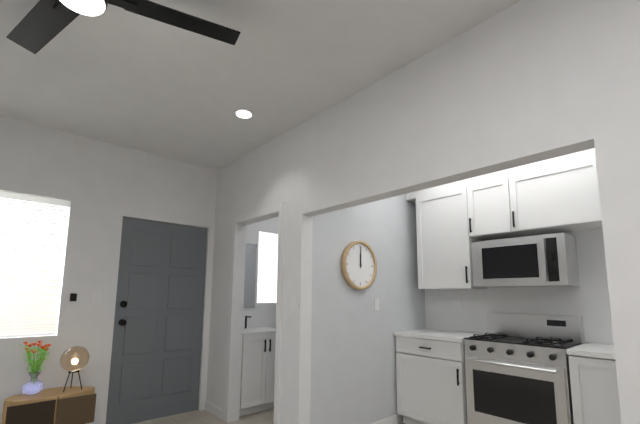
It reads 12h00
